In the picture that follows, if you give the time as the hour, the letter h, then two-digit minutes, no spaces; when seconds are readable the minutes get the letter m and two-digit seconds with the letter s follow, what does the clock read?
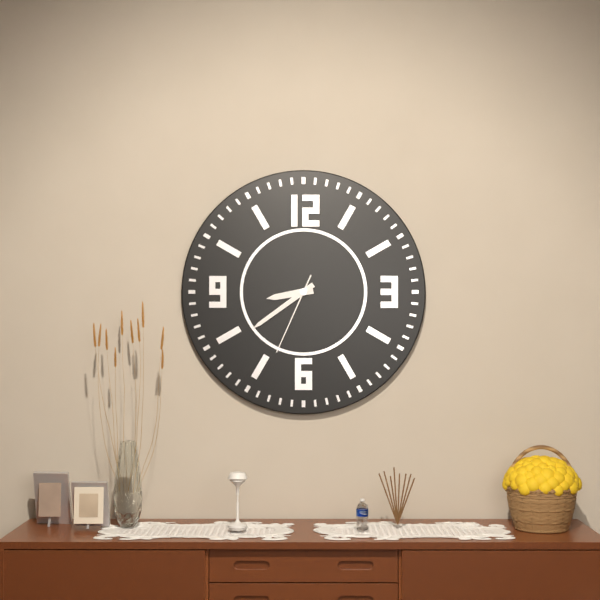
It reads 8h39m34s
